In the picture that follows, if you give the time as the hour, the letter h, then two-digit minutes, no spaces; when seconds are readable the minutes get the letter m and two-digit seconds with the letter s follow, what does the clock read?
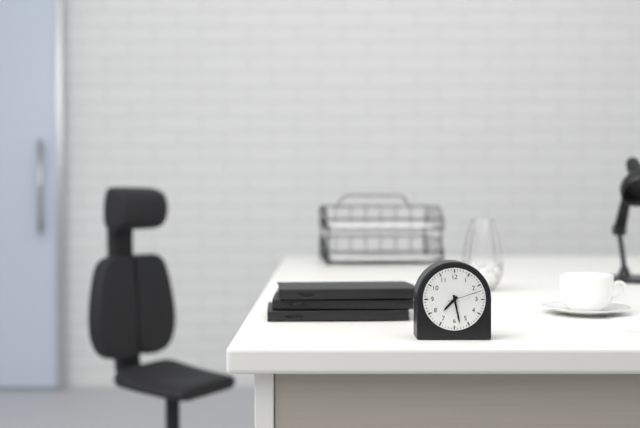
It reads 7h28
